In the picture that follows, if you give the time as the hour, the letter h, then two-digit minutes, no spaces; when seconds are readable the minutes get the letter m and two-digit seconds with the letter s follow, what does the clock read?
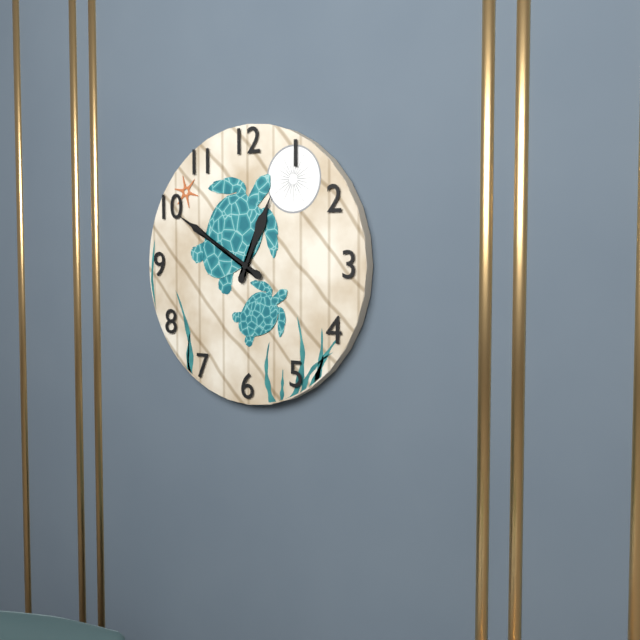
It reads 12h50
